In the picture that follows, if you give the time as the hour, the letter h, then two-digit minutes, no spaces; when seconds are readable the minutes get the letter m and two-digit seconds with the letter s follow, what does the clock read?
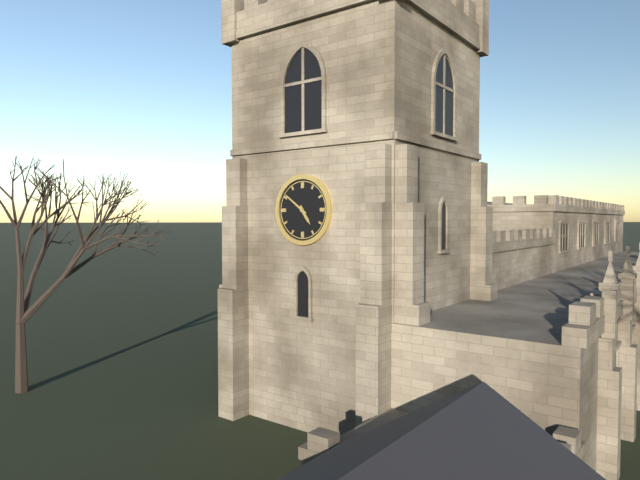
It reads 4h51
